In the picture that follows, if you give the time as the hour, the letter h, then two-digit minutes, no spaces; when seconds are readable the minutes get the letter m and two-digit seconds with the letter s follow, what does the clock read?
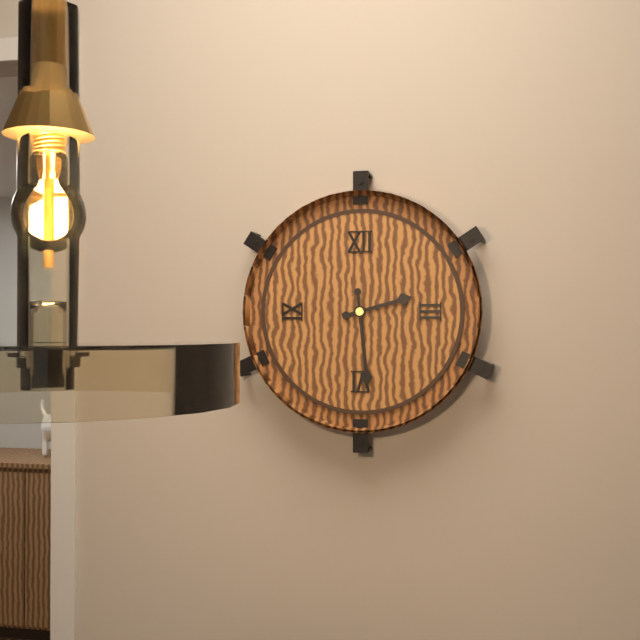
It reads 2h29
